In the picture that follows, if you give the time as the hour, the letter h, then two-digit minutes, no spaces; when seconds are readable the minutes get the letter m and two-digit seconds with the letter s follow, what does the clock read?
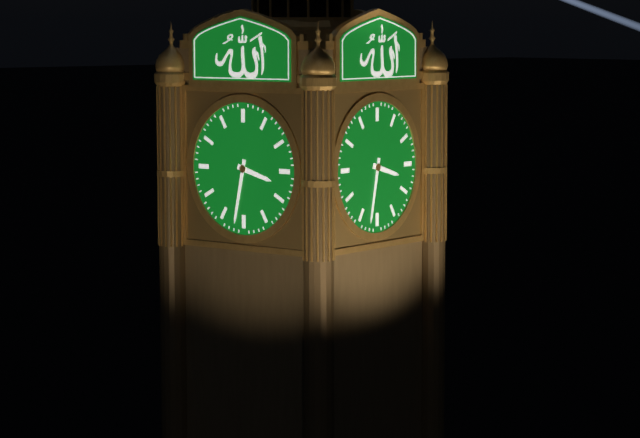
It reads 3h32
